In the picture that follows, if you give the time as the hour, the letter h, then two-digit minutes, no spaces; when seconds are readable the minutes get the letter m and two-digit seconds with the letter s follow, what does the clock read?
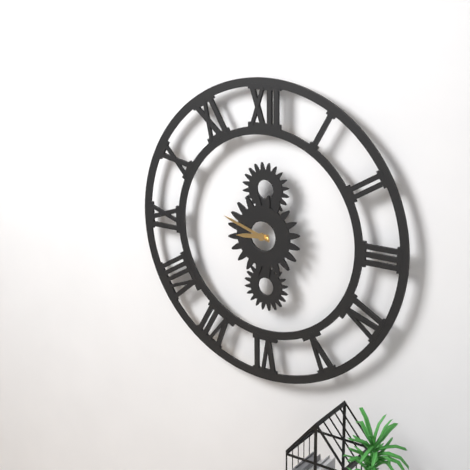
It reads 8h48
